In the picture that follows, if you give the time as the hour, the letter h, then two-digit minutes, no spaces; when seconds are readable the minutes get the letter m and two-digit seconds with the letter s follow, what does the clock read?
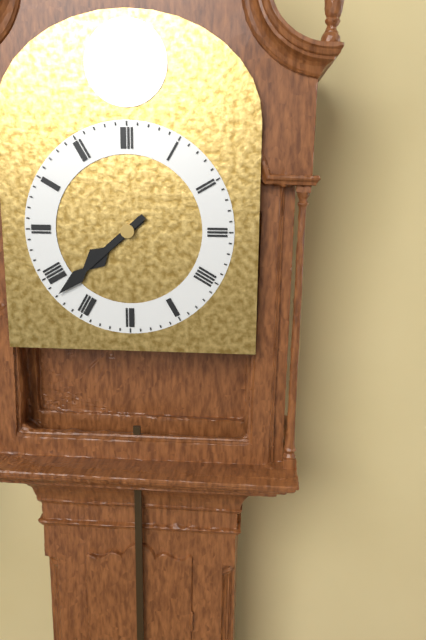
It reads 7h38
